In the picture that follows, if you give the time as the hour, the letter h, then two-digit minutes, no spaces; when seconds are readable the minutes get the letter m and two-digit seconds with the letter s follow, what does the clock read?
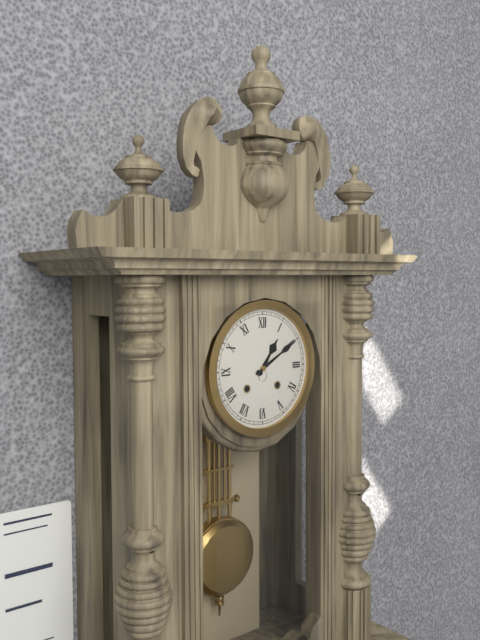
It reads 1h10
